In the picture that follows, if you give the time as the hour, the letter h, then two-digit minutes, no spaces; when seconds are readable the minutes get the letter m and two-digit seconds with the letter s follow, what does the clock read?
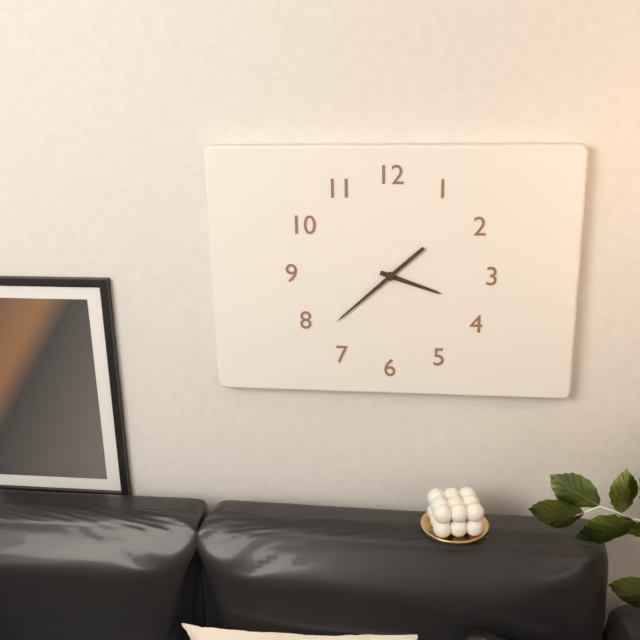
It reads 3h38
